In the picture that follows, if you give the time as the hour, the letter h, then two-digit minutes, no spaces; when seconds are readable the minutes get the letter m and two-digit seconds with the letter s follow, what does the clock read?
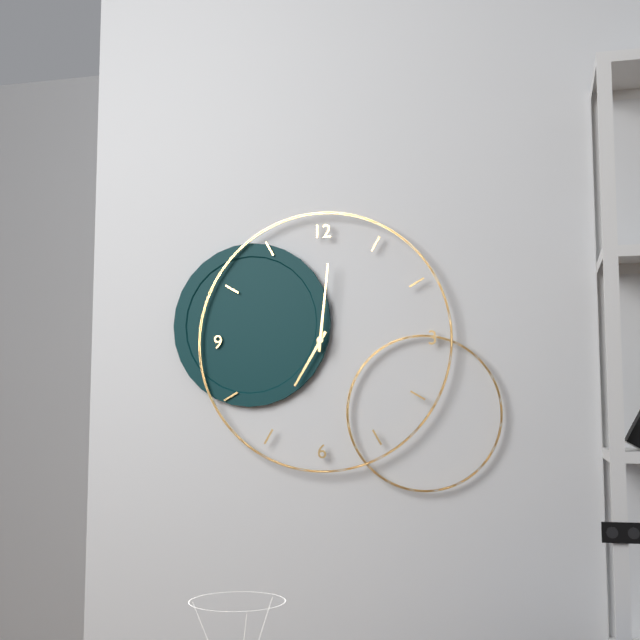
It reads 7h01
